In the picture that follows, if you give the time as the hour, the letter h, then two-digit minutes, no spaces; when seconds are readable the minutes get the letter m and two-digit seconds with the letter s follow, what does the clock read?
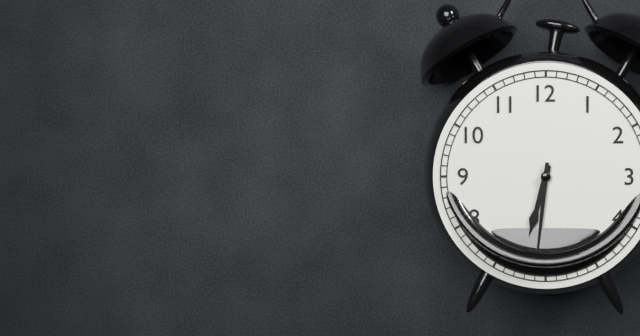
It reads 6h31
